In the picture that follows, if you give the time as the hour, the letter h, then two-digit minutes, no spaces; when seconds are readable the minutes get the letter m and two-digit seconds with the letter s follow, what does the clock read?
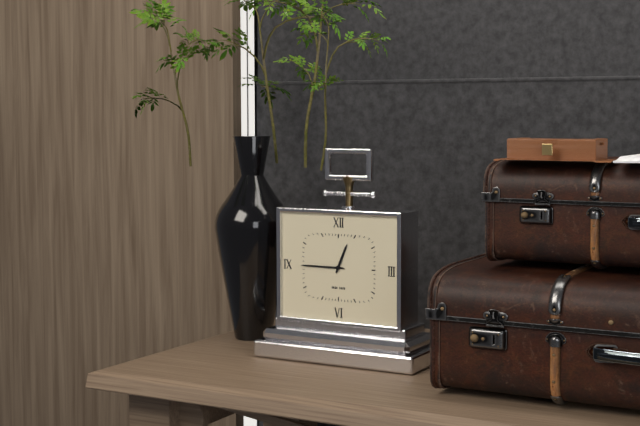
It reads 12h45
